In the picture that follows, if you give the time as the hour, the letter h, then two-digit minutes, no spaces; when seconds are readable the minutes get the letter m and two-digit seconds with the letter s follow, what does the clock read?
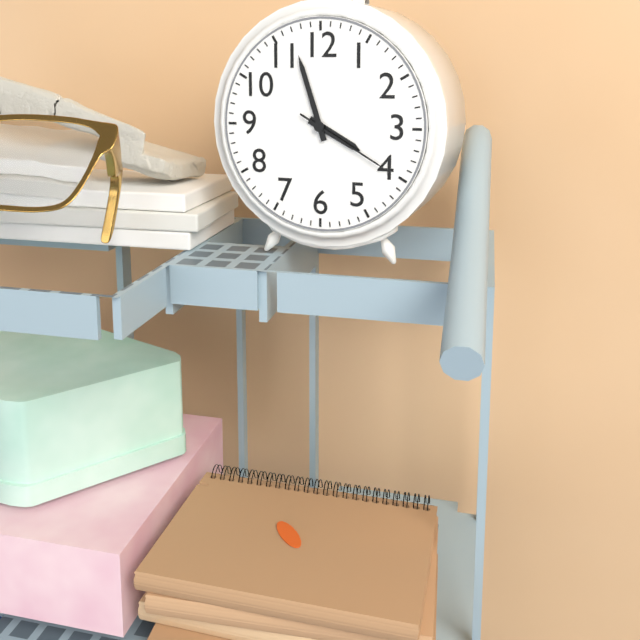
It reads 3h57m20s
